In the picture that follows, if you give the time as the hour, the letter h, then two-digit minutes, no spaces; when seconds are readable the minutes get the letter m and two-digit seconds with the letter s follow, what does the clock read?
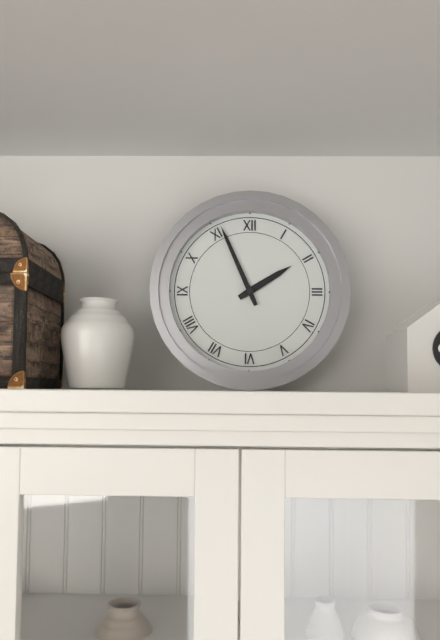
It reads 1h56
